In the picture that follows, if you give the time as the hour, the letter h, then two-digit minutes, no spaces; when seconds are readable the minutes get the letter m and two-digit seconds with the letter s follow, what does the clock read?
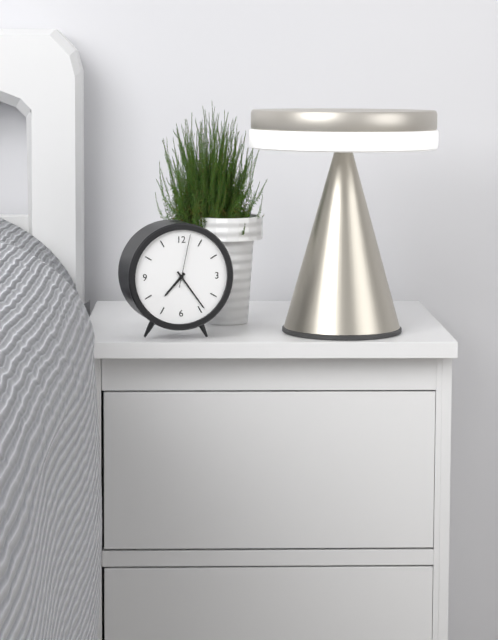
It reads 7h24m02s
